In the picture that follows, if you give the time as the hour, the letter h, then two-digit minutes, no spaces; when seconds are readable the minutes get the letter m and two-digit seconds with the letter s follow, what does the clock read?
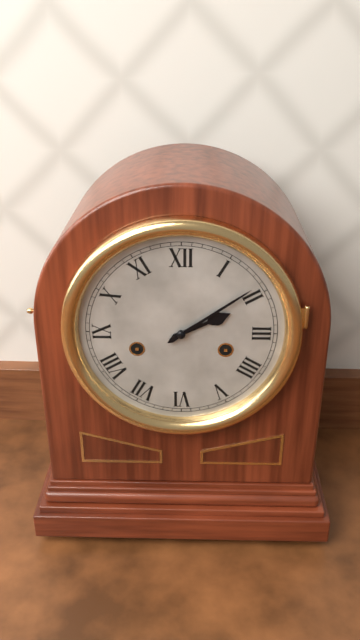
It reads 2h09
